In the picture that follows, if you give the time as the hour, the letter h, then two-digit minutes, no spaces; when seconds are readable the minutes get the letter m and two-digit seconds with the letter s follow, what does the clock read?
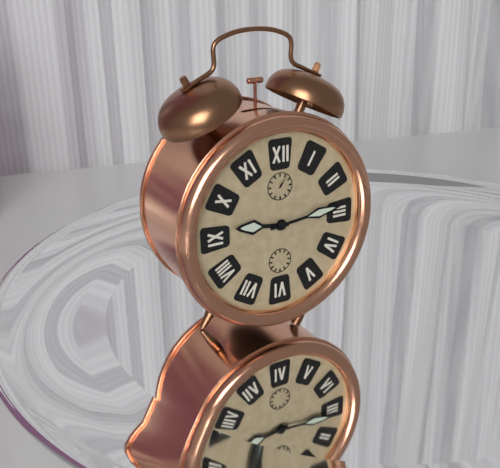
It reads 9h14
